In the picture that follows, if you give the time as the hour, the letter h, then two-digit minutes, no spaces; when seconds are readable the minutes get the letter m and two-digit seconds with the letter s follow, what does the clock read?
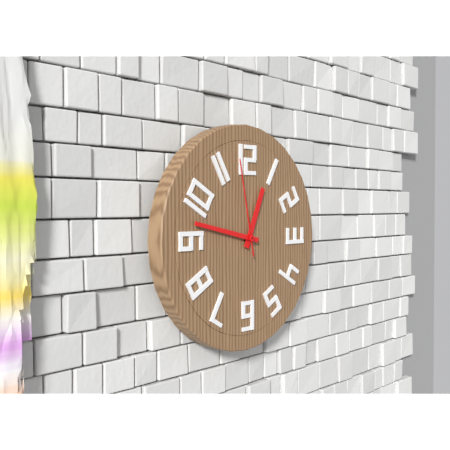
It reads 12h47m58s
